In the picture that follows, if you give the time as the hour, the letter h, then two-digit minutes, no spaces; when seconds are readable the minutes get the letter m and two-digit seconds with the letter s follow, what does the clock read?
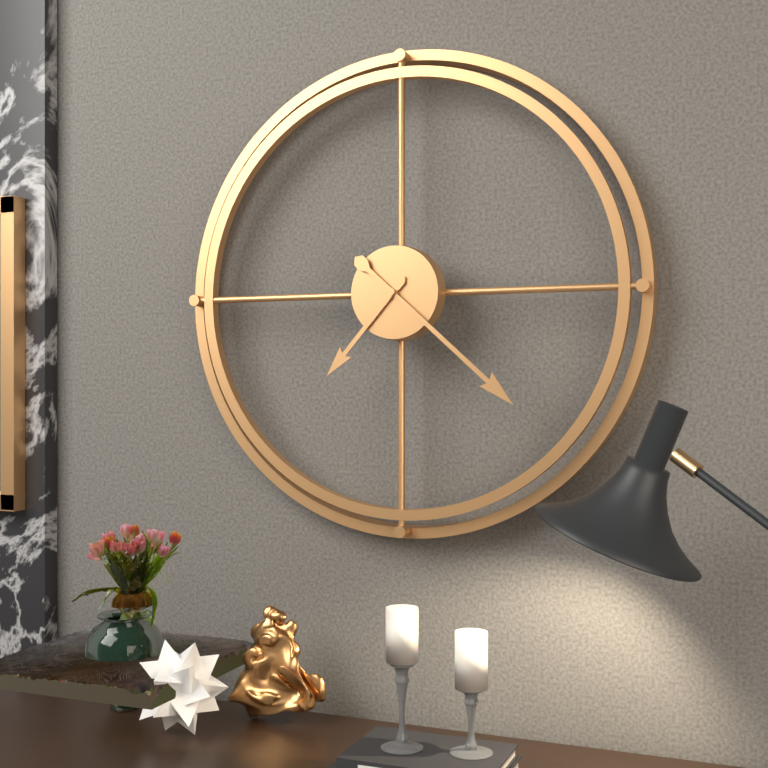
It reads 7h22
